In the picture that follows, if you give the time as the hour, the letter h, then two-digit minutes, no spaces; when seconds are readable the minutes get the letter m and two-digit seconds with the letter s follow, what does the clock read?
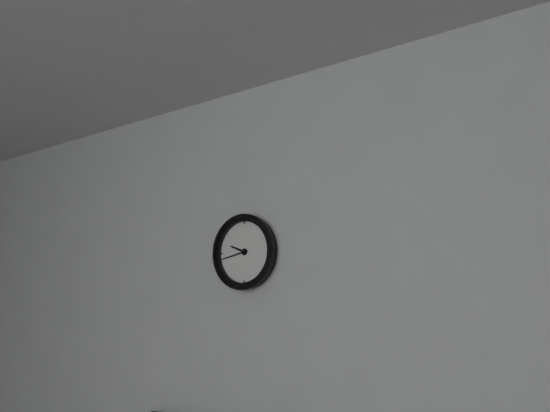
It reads 9h43
